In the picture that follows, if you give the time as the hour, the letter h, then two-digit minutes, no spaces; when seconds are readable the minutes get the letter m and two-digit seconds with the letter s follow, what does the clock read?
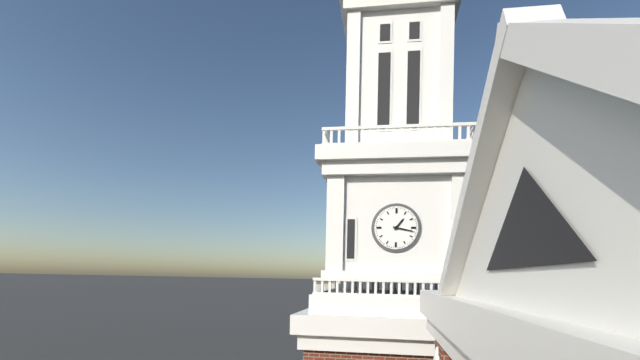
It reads 1h17
